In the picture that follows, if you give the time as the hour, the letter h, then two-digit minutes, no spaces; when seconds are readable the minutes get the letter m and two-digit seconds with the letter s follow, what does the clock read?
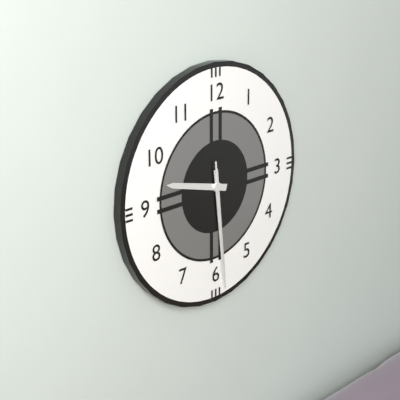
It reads 9h29m29s
